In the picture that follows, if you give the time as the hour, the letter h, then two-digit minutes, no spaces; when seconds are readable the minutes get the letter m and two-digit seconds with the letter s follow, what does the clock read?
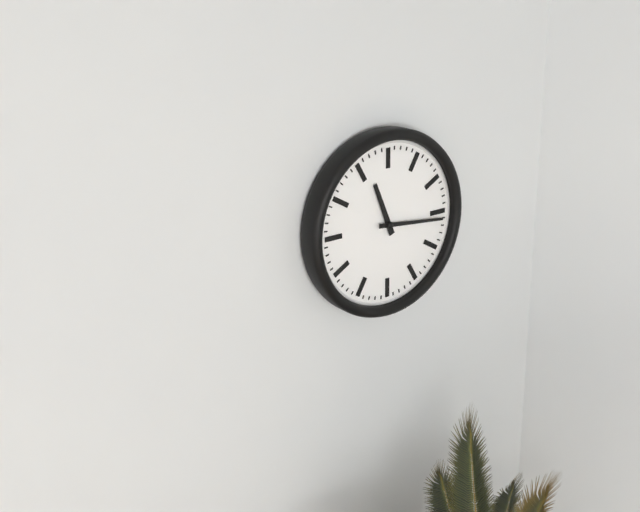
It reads 11h16
